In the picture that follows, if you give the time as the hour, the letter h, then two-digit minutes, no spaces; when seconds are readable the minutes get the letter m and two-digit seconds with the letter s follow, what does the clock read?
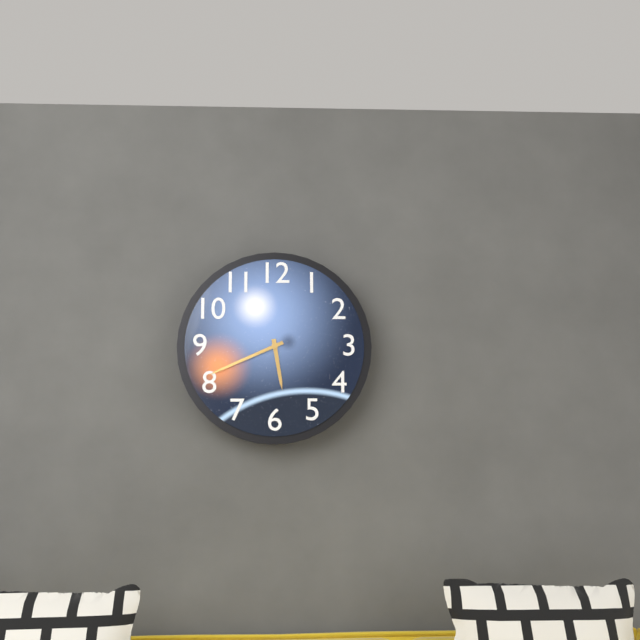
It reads 5h41
